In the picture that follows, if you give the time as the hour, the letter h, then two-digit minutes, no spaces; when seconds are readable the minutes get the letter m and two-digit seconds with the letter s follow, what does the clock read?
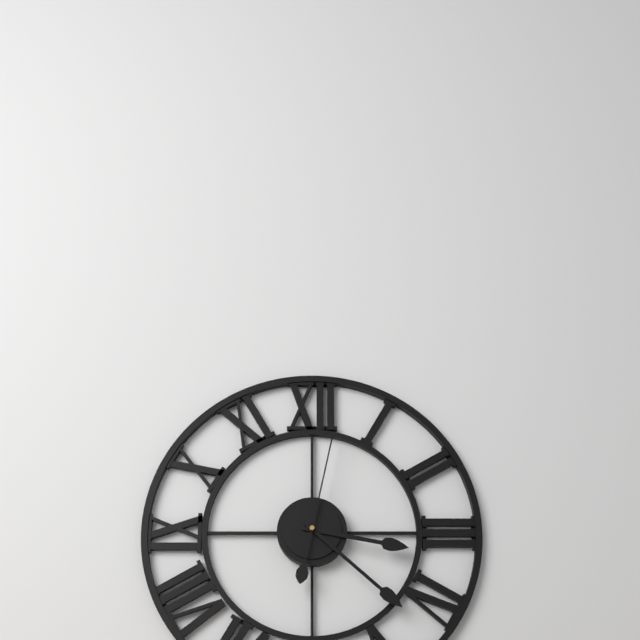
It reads 3h22m02s
